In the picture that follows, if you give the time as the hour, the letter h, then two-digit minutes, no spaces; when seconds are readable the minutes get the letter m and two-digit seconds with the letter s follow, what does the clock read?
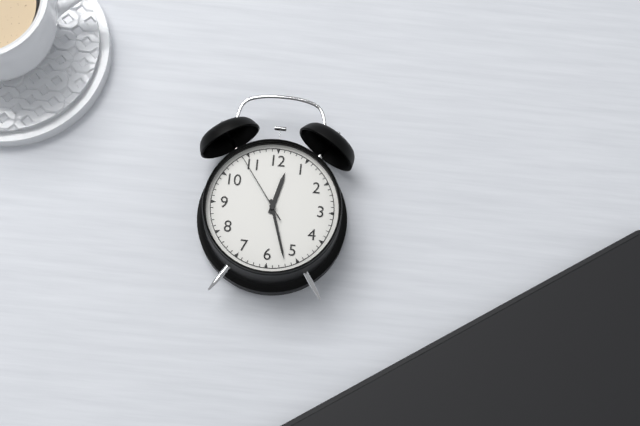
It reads 12h27m54s
